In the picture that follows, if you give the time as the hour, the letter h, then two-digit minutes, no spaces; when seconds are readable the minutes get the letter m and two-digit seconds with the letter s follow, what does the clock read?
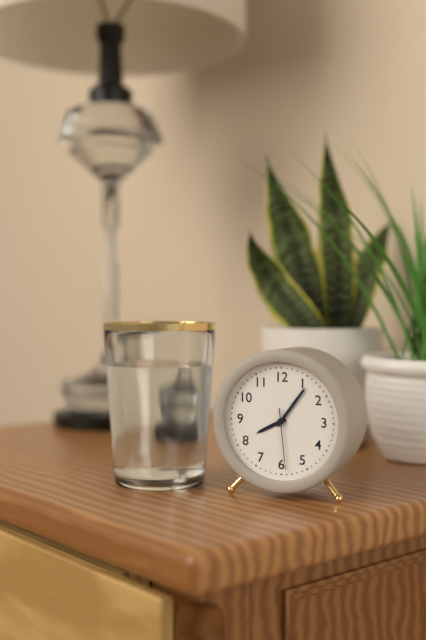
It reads 8h06m29s
